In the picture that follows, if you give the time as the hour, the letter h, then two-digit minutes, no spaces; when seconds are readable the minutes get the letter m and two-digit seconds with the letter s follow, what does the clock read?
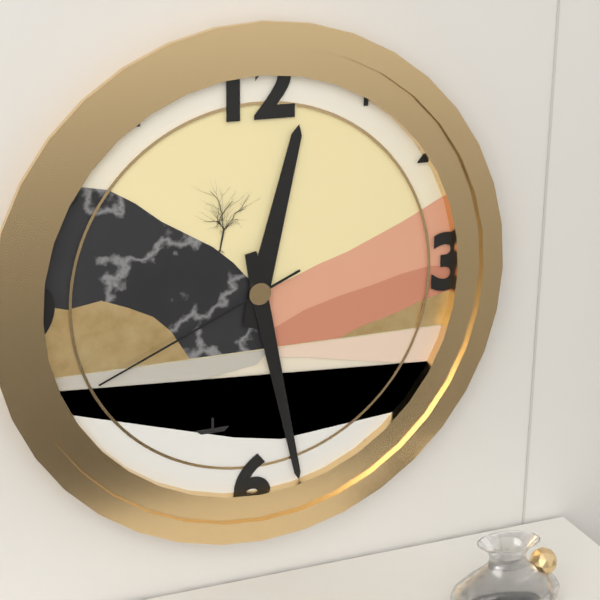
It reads 12h28m41s
